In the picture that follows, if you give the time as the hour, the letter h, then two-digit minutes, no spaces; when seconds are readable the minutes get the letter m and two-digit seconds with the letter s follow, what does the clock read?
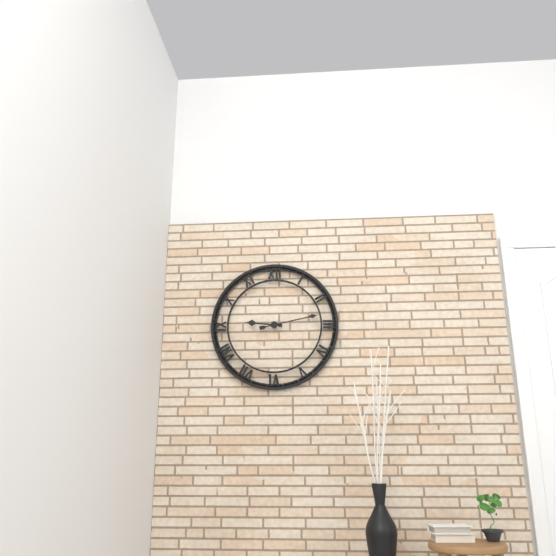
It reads 9h13
